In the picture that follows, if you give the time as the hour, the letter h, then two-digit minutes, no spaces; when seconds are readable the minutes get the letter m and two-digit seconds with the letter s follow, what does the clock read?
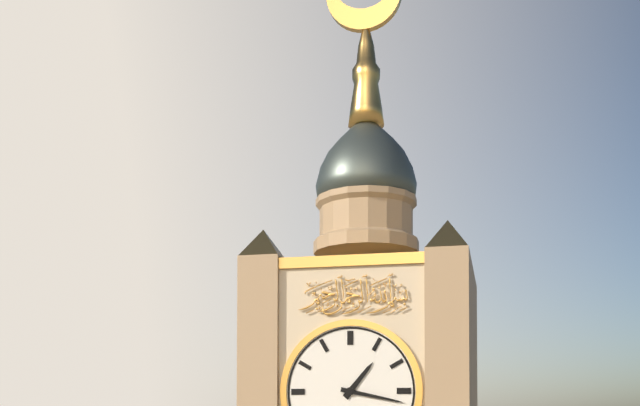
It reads 1h17
